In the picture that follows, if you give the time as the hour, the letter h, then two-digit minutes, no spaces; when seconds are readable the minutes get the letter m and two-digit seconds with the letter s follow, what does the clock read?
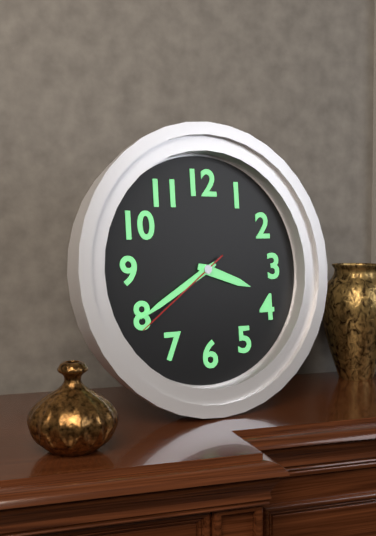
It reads 3h40m39s
